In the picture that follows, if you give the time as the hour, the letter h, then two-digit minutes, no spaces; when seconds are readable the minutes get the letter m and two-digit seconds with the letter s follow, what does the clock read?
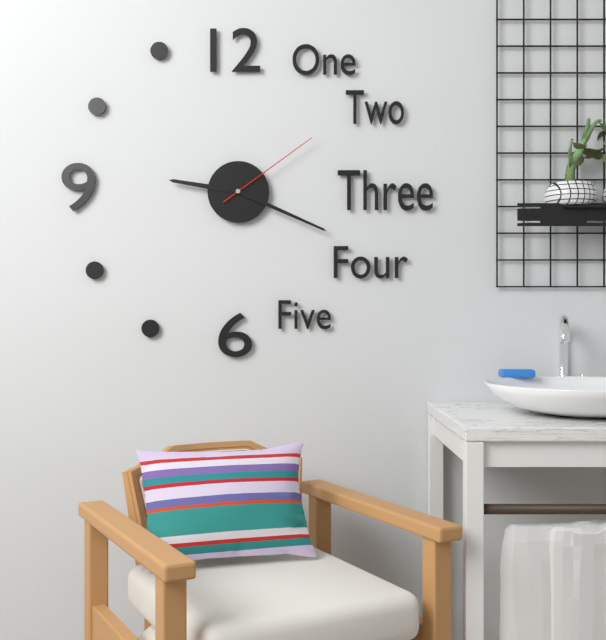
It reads 9h19m09s
